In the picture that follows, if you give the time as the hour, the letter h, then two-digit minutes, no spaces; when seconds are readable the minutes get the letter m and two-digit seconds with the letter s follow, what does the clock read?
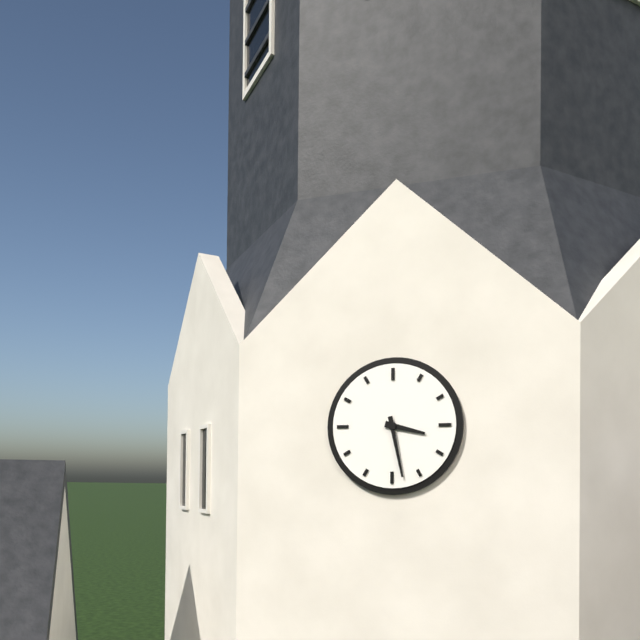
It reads 3h28
